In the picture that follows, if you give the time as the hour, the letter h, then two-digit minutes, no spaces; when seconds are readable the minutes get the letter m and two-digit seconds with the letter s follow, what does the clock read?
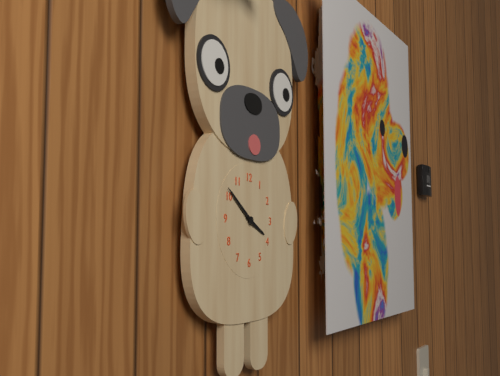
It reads 3h51
